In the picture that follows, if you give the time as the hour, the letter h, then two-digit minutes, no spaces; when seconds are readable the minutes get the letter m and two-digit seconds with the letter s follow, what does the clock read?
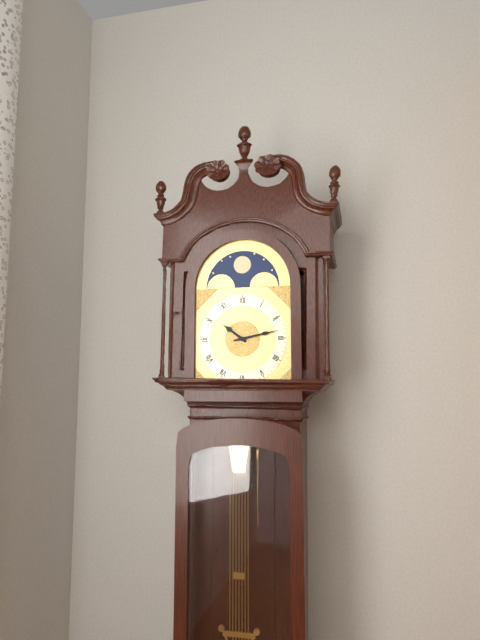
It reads 10h13
